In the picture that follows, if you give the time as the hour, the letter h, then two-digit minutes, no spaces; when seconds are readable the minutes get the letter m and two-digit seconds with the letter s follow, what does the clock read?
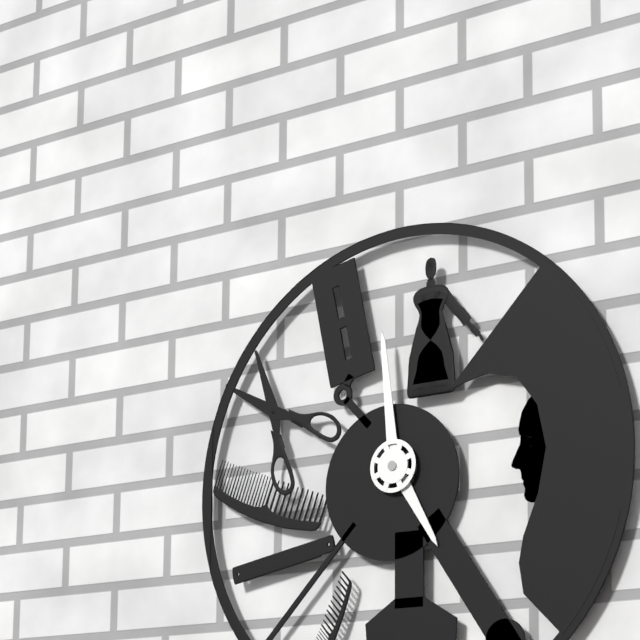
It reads 4h59
